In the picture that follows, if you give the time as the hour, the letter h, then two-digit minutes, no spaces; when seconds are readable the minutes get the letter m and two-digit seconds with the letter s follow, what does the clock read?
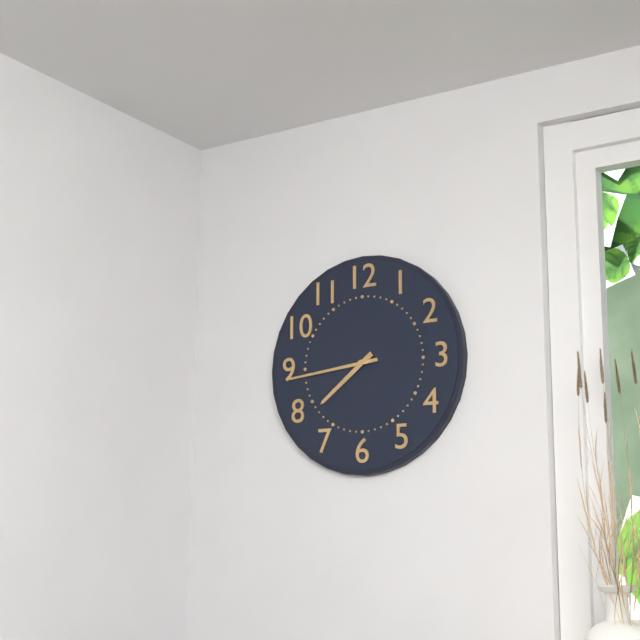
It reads 7h44
